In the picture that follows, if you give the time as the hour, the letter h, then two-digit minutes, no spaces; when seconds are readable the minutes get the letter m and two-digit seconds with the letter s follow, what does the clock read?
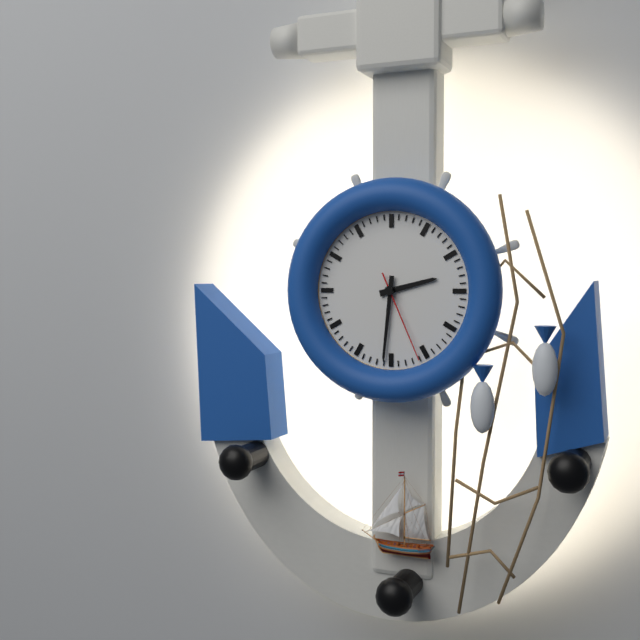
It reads 2h31m26s
